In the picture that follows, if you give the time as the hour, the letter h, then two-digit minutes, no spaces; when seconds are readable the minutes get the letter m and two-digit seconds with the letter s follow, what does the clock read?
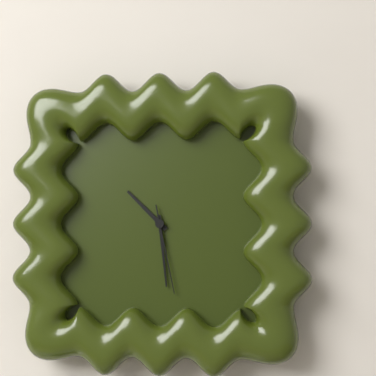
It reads 10h29m28s
